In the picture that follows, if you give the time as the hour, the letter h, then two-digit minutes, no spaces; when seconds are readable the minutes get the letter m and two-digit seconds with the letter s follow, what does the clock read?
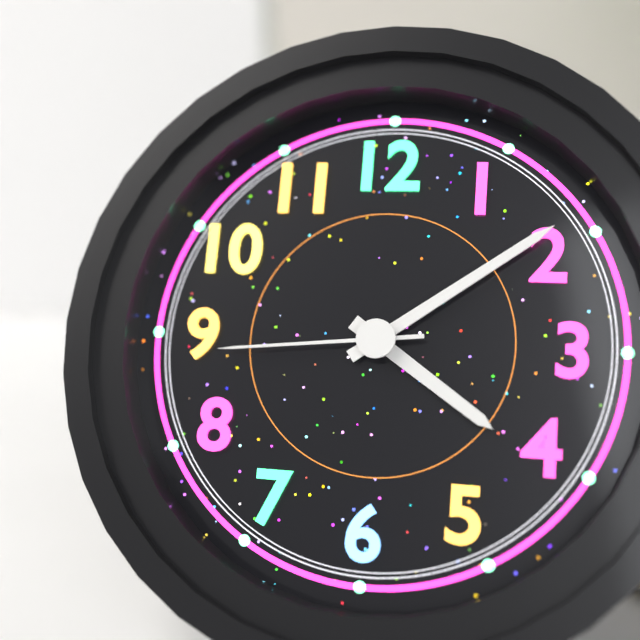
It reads 4h09m44s
